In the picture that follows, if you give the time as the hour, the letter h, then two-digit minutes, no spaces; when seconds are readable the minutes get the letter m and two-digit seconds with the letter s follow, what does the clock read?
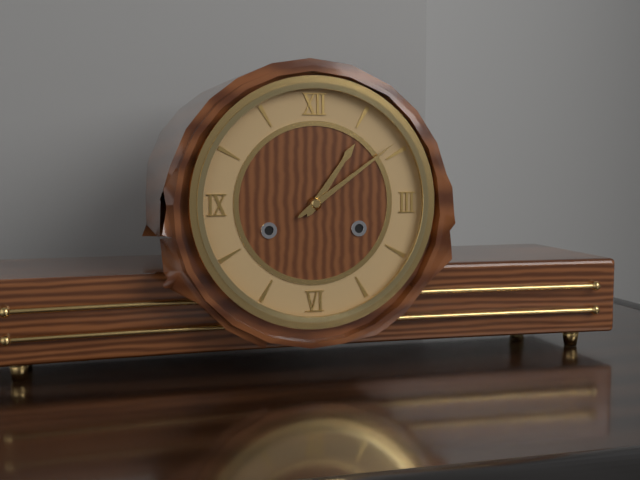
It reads 1h09
